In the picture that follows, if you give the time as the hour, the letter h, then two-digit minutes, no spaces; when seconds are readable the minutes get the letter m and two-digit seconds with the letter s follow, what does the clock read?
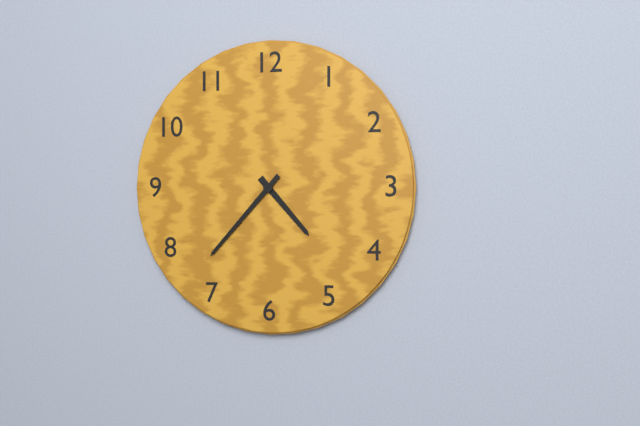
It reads 4h37
